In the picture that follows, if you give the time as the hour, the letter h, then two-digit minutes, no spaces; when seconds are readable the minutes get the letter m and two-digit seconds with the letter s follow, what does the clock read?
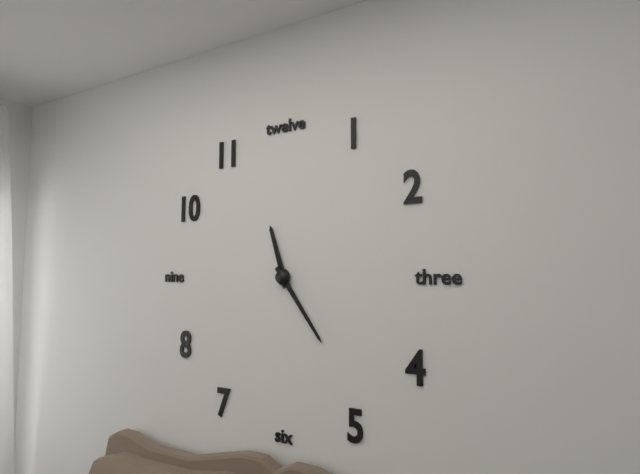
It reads 11h24
